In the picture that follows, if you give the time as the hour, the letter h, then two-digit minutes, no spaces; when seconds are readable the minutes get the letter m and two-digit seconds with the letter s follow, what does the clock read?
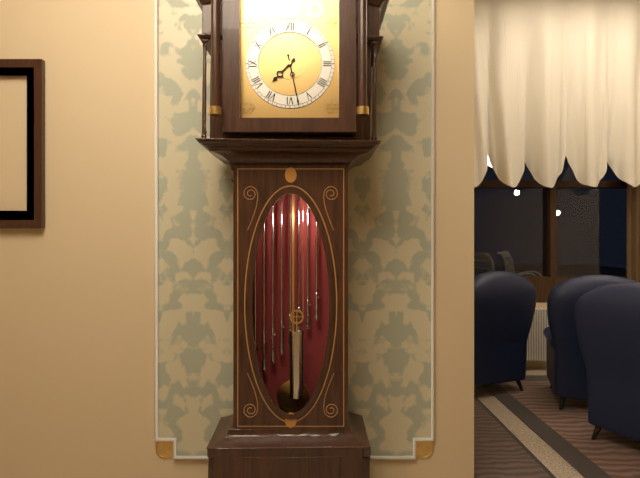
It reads 7h28
